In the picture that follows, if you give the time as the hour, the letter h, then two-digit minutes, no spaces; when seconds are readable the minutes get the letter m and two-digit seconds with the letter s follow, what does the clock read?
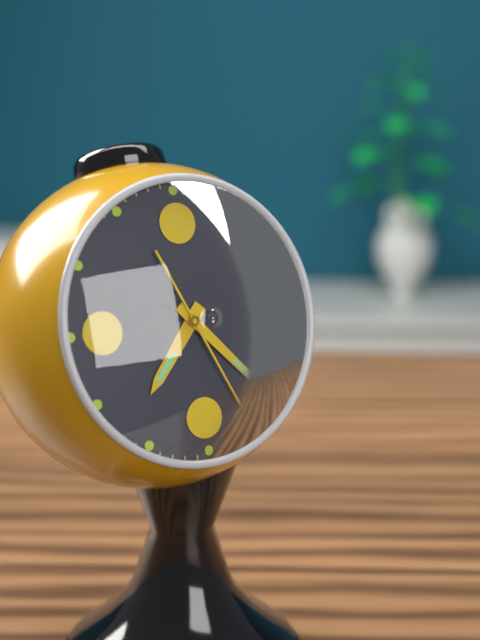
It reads 7h23m26s
